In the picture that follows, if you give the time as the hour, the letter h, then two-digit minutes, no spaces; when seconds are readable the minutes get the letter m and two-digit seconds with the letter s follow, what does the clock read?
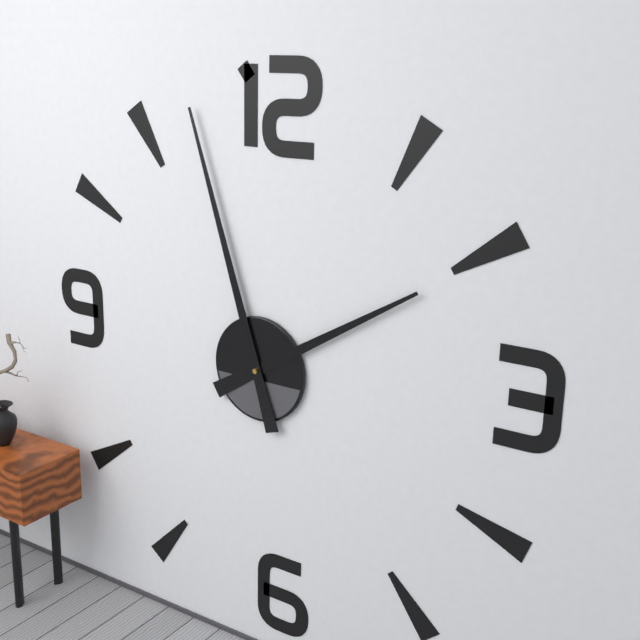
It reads 1h57
